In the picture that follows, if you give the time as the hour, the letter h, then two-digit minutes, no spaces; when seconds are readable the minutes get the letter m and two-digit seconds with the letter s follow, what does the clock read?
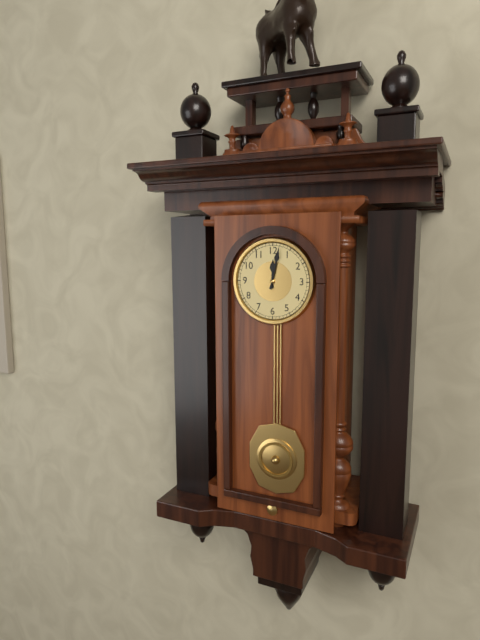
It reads 12h02
